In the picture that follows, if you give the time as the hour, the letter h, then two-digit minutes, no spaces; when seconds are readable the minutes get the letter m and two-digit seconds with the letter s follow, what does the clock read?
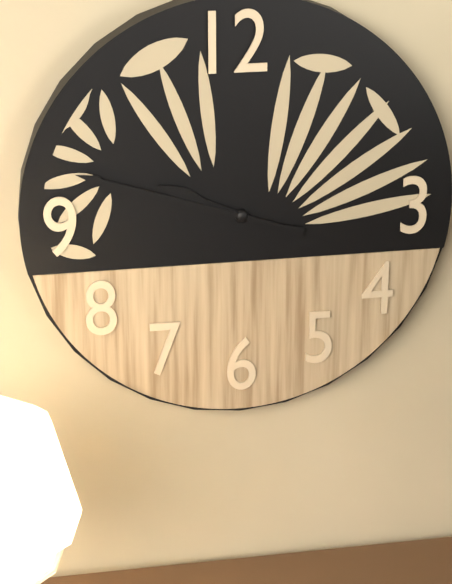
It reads 9h48
